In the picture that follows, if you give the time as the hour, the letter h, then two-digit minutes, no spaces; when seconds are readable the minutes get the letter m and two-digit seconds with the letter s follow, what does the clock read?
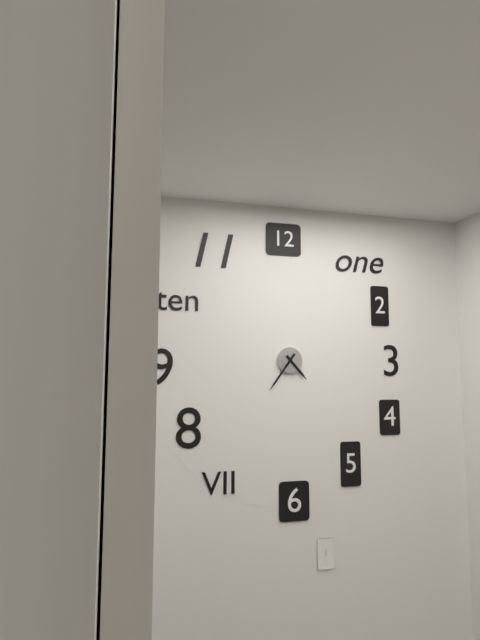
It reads 4h36
